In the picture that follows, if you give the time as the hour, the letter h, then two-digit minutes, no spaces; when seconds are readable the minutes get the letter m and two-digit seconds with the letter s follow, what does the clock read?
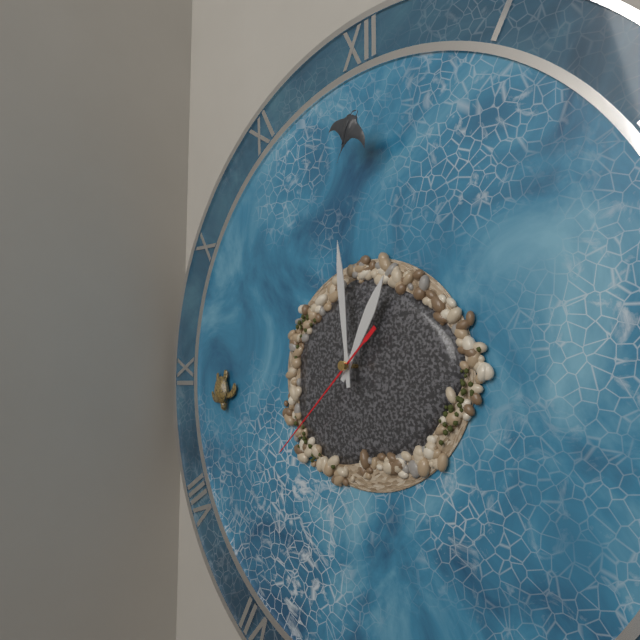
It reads 12h59m38s
